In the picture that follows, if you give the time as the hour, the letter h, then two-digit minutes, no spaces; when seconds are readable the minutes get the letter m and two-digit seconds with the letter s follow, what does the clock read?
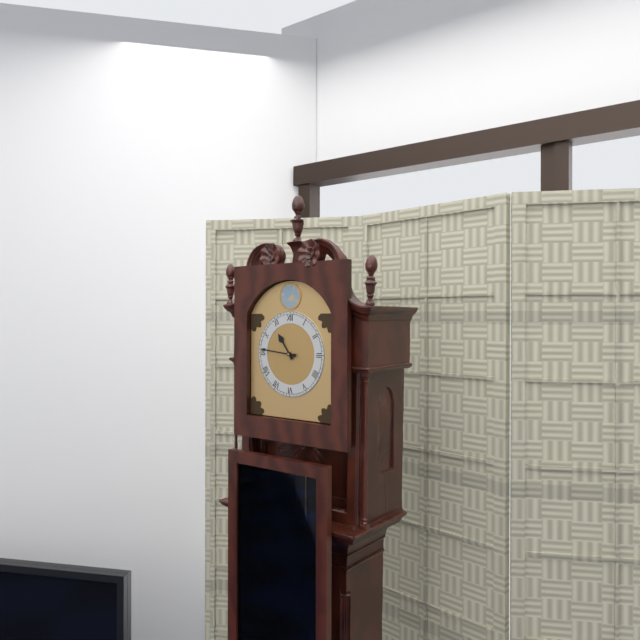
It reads 10h46
